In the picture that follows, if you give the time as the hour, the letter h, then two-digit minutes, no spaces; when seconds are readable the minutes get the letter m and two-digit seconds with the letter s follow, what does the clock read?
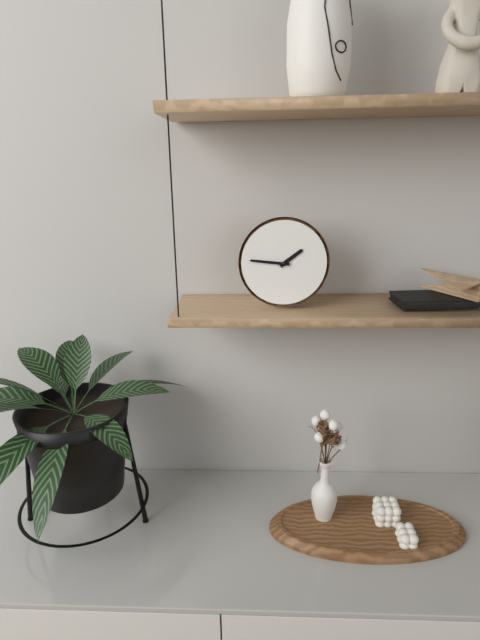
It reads 1h46
